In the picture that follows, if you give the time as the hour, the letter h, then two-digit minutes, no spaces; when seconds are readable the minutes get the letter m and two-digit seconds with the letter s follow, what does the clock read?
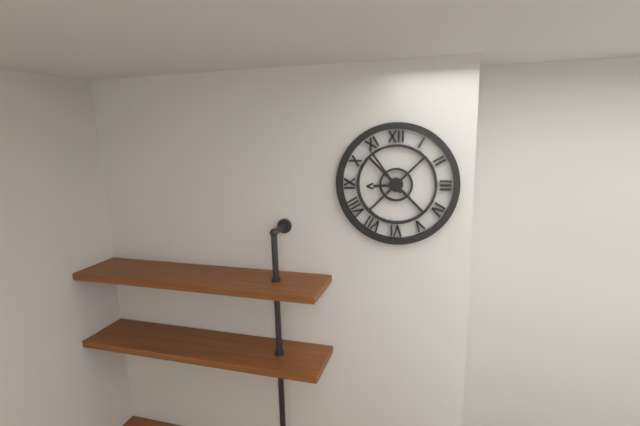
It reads 8h54
